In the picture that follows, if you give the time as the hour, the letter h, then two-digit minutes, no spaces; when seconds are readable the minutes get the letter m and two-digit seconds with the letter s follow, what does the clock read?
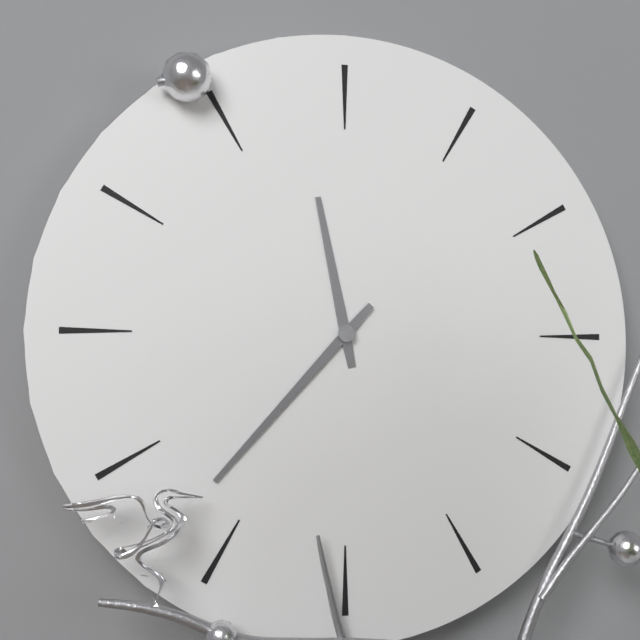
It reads 11h37
